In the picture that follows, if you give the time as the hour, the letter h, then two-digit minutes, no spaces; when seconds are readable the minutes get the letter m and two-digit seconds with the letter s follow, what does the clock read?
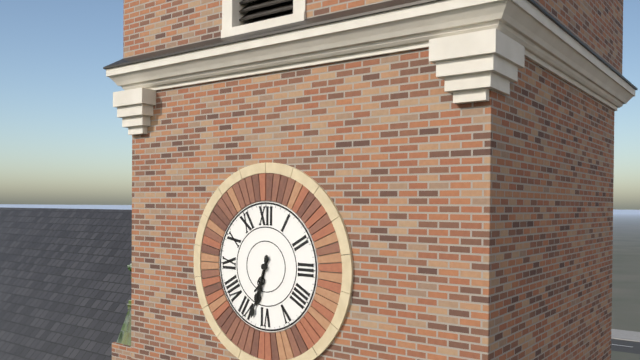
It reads 6h33
